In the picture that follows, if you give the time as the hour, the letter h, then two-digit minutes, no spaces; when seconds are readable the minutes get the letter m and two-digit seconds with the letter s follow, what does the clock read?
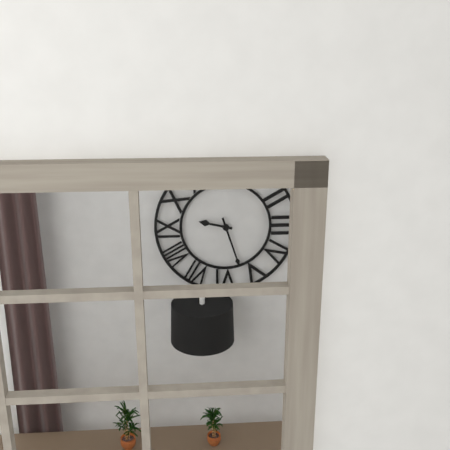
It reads 9h27
